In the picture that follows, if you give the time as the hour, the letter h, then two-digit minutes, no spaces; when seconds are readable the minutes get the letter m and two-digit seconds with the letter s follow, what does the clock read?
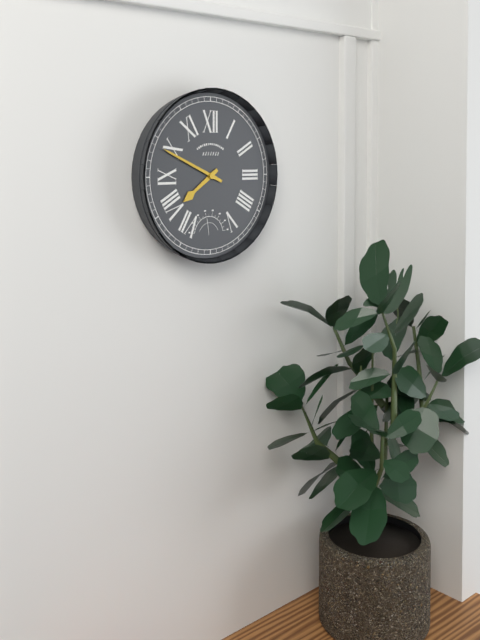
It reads 7h49
